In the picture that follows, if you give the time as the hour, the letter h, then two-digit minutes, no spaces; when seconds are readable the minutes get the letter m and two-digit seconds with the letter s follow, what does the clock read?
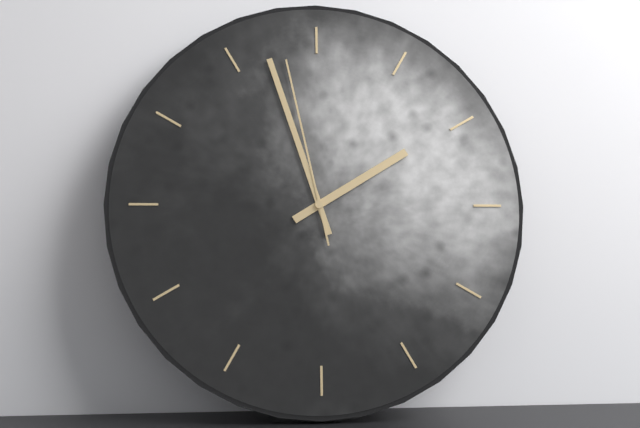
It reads 1h57m58s
